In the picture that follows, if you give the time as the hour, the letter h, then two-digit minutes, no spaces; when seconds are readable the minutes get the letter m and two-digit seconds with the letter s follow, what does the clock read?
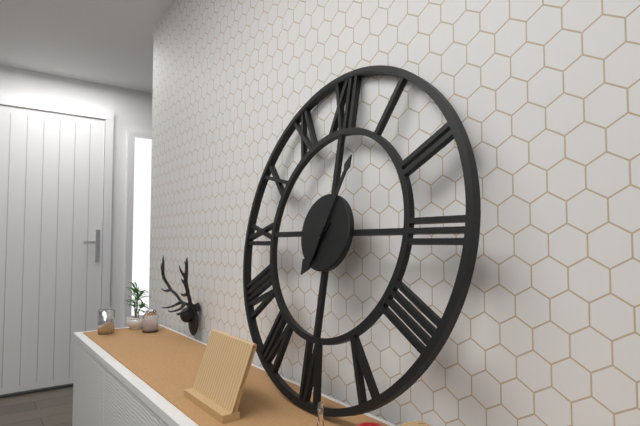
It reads 7h04
